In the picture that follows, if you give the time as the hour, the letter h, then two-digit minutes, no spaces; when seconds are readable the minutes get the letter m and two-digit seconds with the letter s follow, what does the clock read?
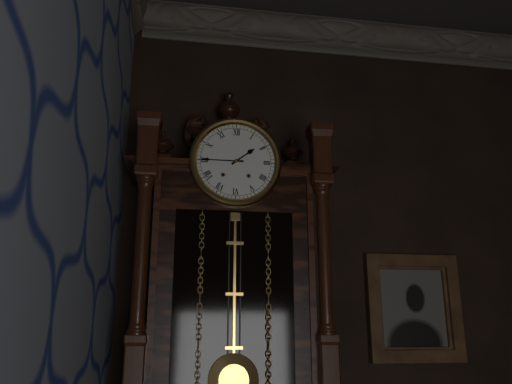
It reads 1h45
